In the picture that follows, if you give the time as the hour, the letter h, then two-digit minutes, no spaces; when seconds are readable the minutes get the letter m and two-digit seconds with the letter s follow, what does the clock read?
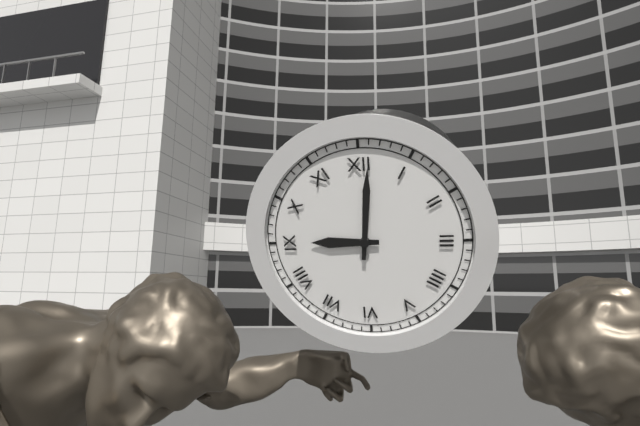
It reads 9h01
